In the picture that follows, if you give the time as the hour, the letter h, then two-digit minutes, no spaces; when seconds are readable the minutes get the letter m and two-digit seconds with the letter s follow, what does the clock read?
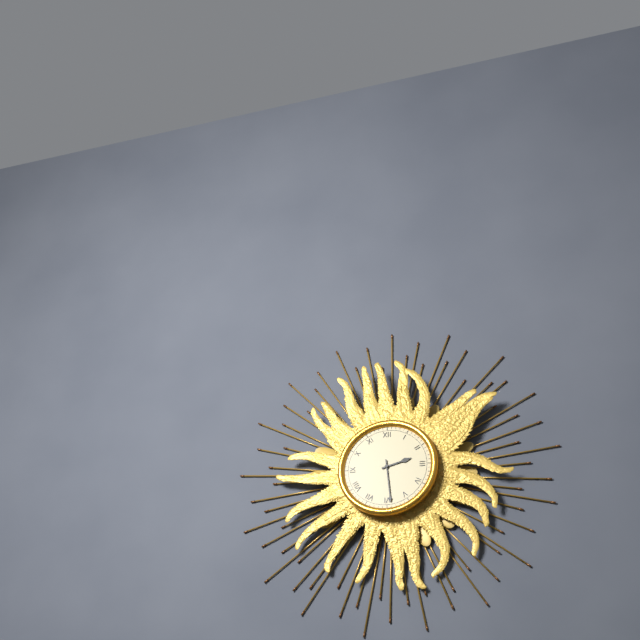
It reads 2h29
